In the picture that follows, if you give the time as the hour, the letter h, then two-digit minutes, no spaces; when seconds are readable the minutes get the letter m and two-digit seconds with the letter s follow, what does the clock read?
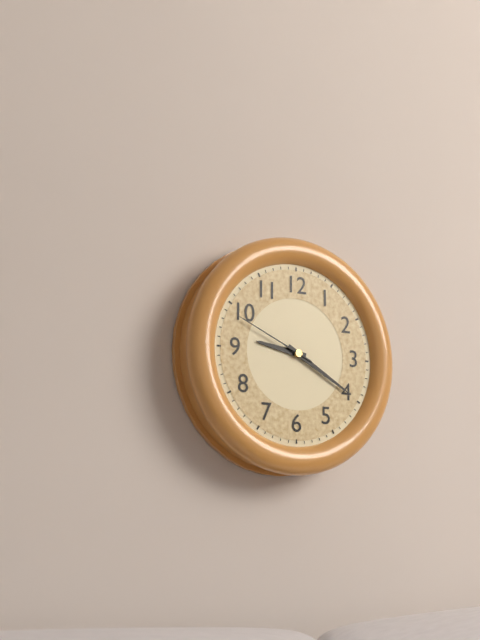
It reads 9h20m49s
